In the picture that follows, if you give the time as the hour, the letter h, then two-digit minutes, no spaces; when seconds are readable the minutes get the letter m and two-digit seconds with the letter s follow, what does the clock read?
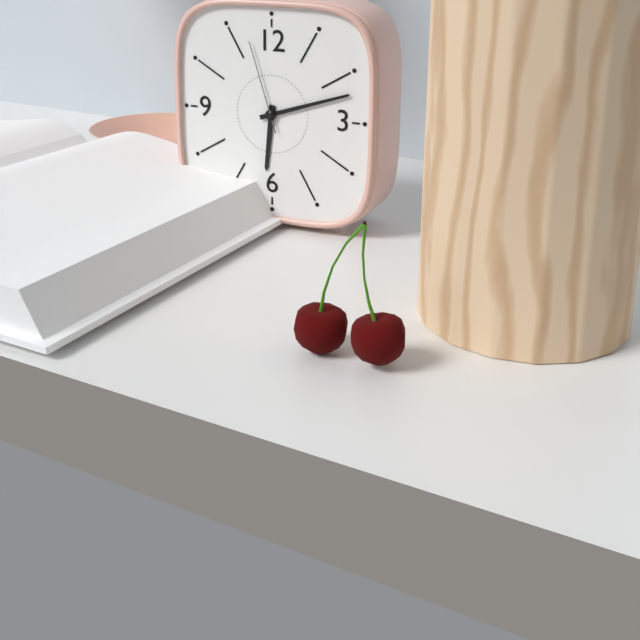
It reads 6h12m57s
